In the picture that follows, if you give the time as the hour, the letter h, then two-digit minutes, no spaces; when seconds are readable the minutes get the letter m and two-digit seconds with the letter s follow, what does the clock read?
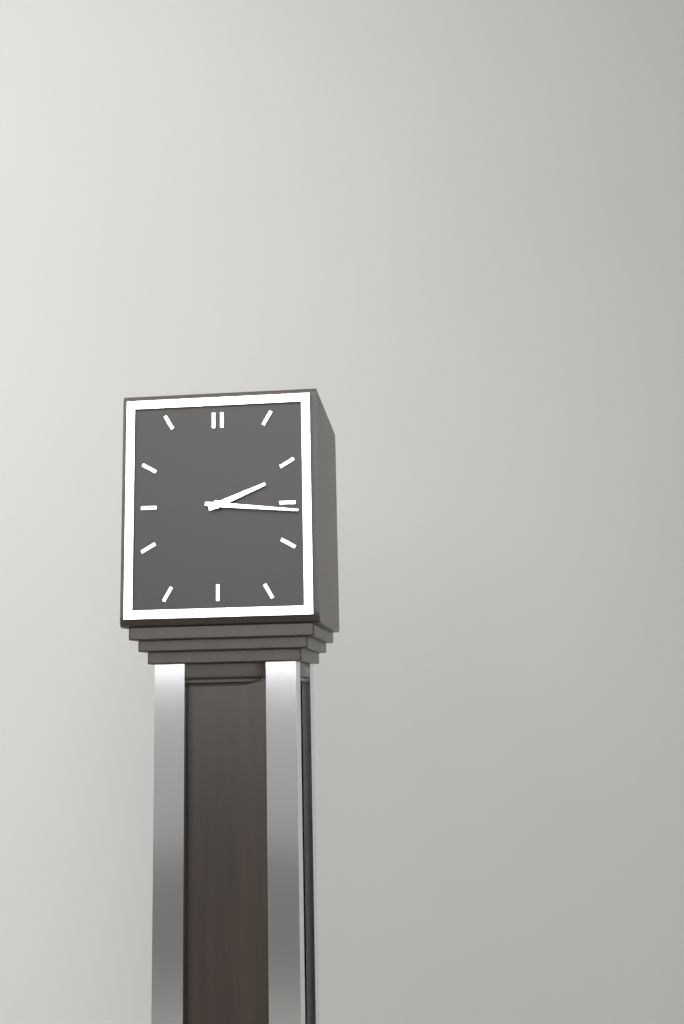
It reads 2h16
